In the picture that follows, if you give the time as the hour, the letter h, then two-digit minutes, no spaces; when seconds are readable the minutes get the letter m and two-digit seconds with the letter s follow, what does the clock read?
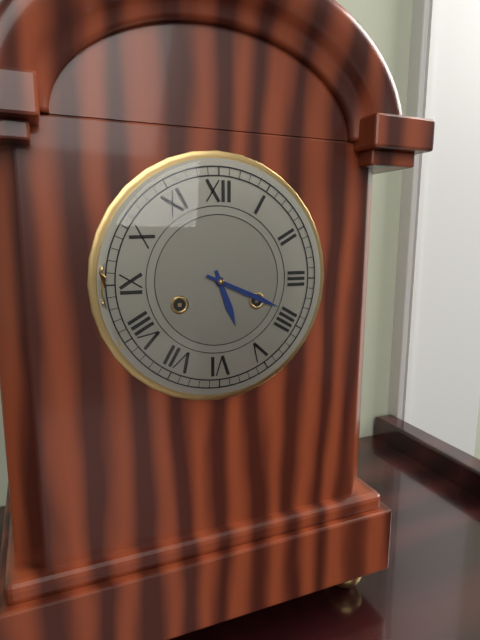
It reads 5h19
